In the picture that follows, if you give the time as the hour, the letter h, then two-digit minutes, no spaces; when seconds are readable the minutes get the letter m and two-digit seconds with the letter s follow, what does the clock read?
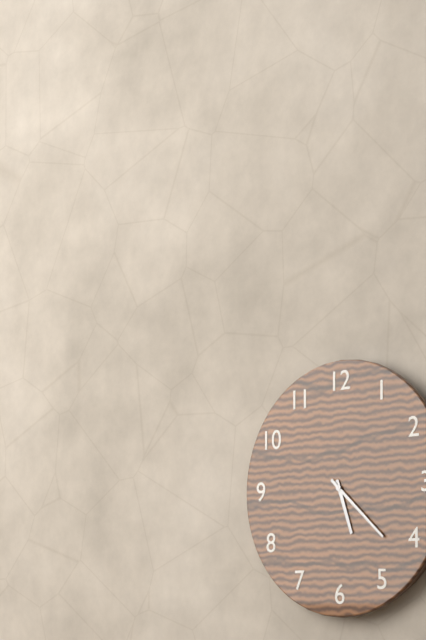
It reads 5h22
